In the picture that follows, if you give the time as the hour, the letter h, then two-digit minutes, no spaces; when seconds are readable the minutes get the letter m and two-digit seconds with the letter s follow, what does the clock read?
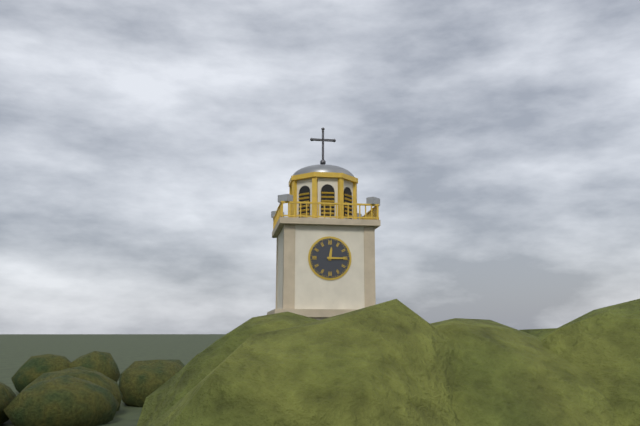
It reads 12h15
